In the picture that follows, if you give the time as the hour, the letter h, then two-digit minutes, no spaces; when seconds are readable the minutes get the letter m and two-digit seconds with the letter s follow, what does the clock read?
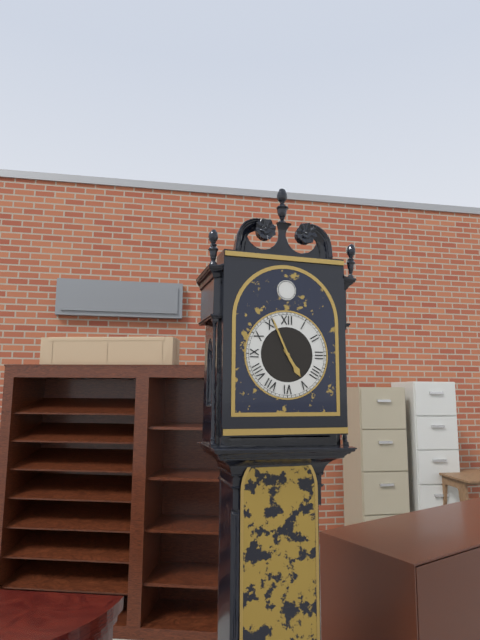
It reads 4h56
